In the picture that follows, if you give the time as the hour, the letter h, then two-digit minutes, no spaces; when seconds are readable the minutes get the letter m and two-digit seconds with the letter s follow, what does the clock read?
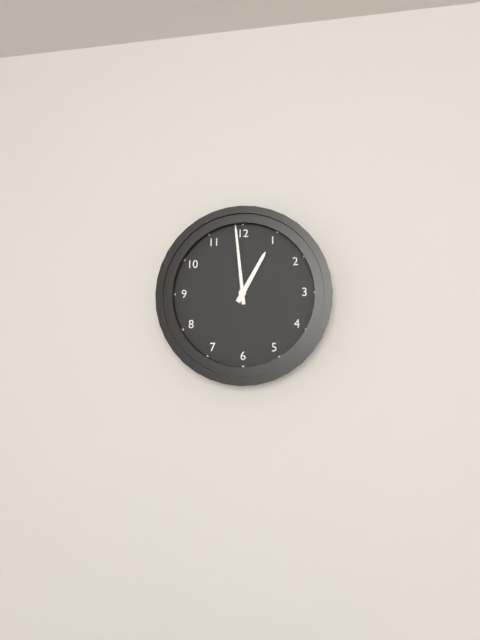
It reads 12h59
